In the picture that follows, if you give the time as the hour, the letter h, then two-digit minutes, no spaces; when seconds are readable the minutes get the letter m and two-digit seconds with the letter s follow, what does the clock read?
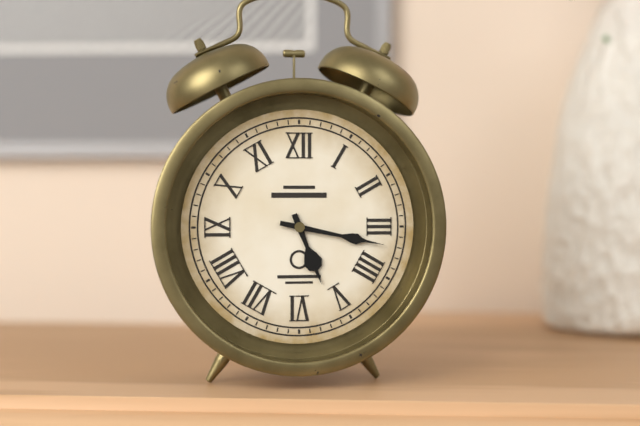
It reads 5h17
